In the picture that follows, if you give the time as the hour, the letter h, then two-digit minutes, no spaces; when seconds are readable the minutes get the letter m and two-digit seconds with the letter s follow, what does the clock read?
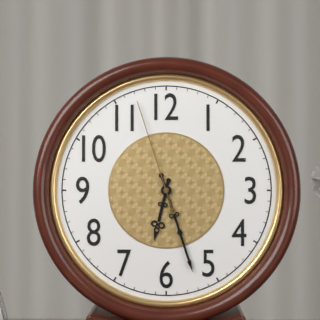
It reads 6h27m57s
